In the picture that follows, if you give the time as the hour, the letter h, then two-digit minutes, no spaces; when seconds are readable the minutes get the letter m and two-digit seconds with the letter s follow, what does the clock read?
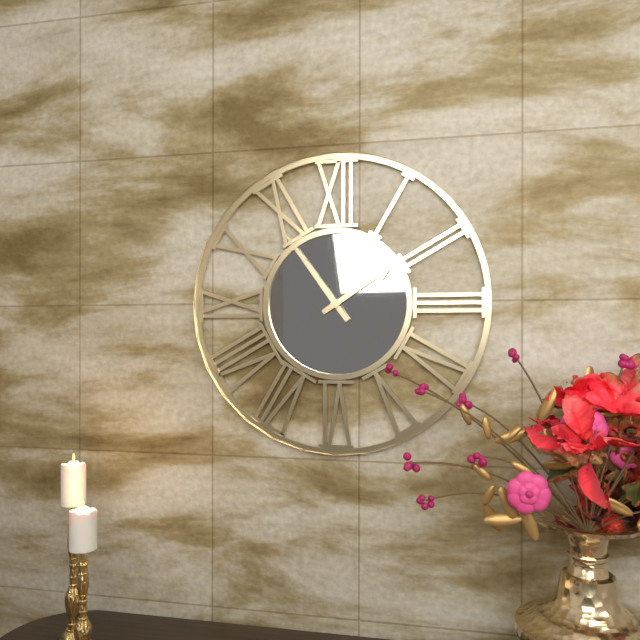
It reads 1h54
